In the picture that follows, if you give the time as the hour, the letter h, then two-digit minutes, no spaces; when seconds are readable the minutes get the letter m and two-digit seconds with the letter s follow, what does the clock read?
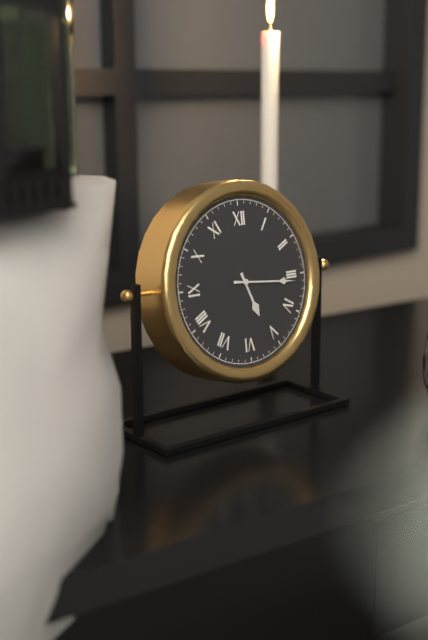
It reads 5h16
